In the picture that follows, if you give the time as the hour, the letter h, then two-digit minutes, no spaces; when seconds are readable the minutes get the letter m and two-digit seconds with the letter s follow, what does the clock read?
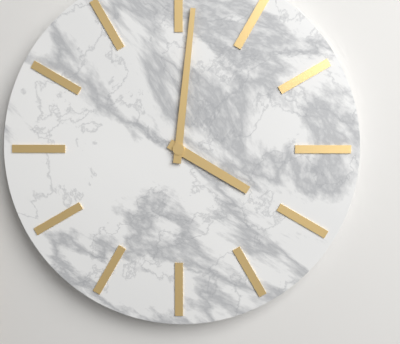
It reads 4h01
